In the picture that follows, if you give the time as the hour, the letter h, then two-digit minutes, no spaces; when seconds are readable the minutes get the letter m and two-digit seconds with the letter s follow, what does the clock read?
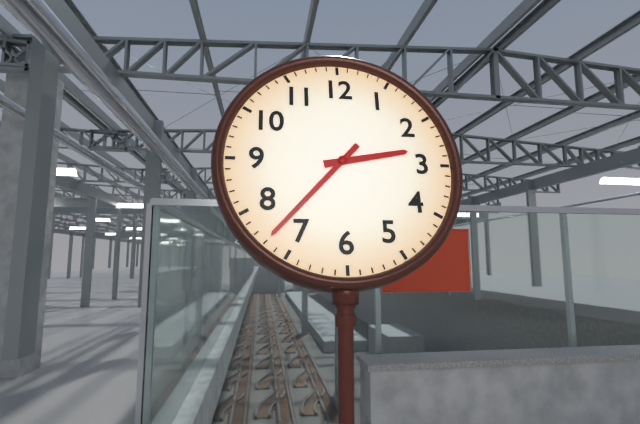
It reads 2h37
